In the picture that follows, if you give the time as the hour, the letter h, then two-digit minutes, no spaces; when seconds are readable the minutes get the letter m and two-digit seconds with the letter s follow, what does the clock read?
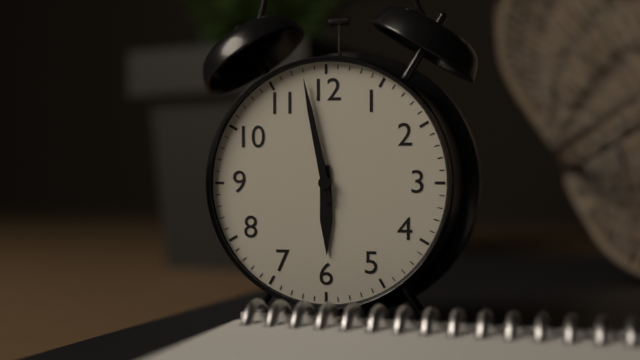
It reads 5h58
